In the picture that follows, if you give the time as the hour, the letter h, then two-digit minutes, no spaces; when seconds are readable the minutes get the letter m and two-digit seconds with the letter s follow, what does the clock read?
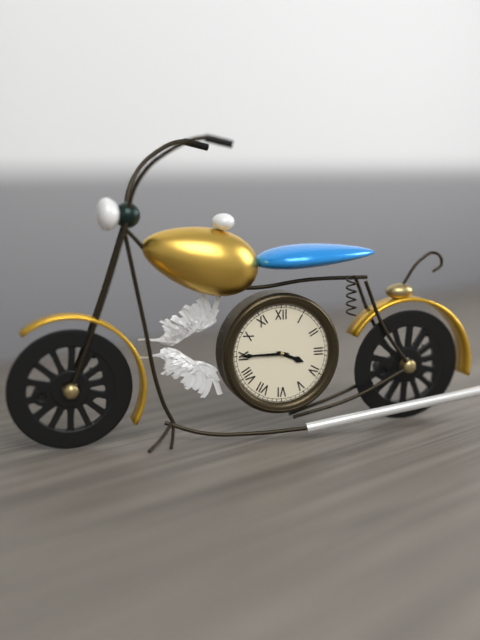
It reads 3h45
